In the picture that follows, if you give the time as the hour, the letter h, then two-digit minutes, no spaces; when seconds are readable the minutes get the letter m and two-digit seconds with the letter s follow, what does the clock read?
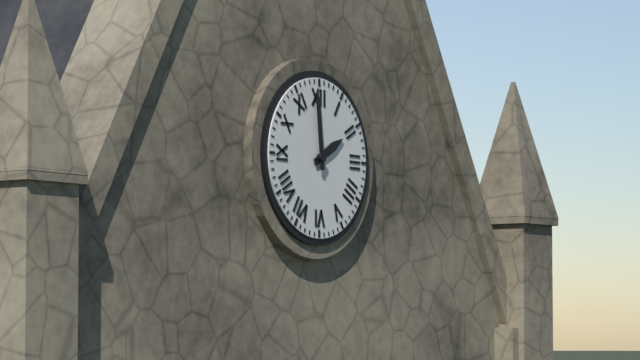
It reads 1h59
